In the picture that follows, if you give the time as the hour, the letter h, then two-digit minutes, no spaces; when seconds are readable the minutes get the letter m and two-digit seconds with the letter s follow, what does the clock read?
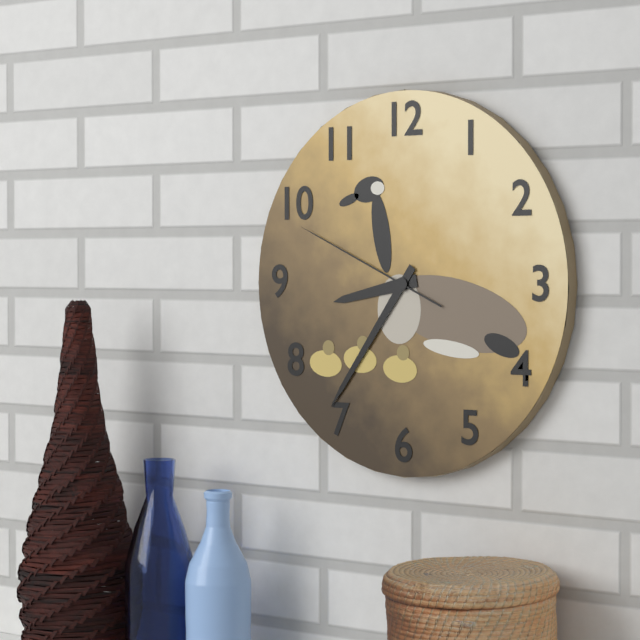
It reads 8h36m49s
